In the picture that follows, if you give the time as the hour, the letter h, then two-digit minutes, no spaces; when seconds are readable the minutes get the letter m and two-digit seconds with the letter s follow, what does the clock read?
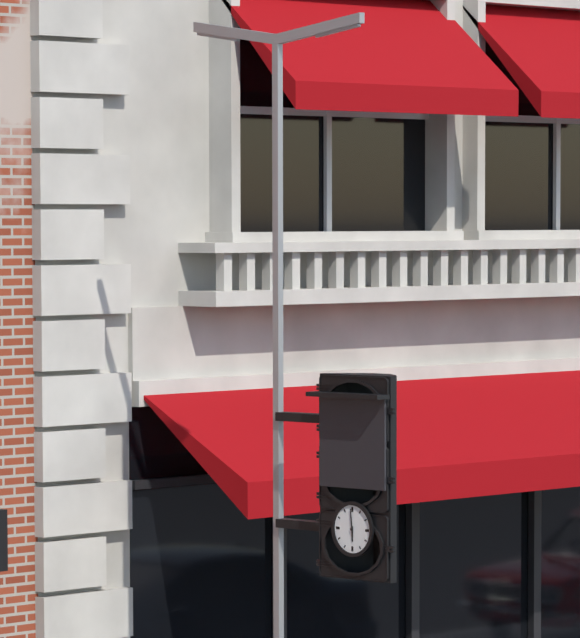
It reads 5h59
